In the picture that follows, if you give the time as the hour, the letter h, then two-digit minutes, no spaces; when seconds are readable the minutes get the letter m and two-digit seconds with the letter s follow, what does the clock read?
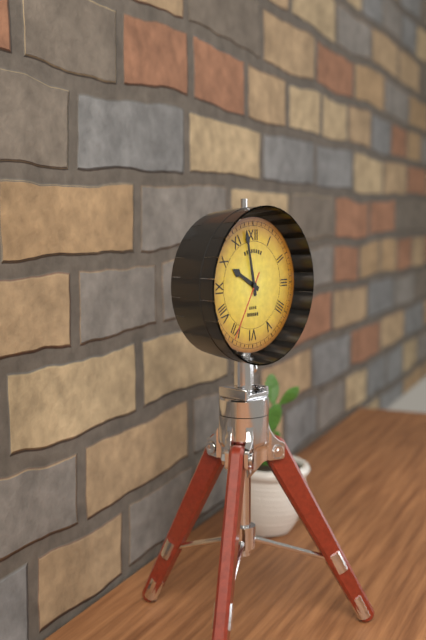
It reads 9h58m35s
